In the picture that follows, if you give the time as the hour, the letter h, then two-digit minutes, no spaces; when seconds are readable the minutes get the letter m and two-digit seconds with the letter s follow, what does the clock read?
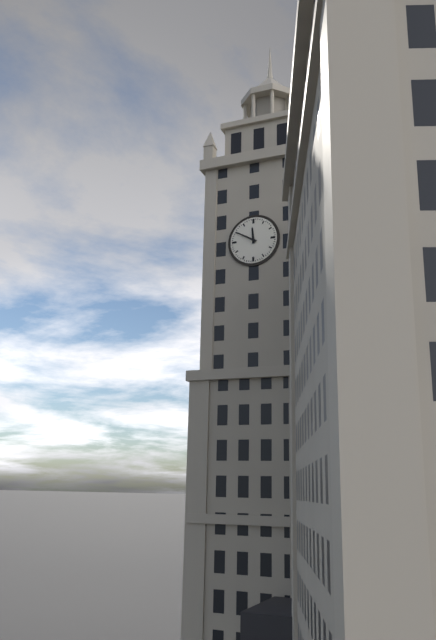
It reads 11h50
